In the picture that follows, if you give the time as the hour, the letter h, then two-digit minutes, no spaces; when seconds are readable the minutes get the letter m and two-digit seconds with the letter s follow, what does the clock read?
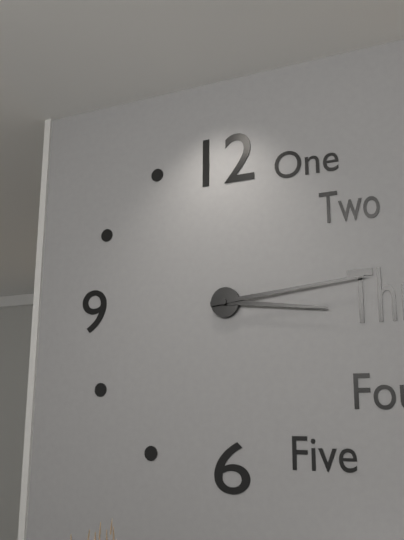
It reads 3h14
